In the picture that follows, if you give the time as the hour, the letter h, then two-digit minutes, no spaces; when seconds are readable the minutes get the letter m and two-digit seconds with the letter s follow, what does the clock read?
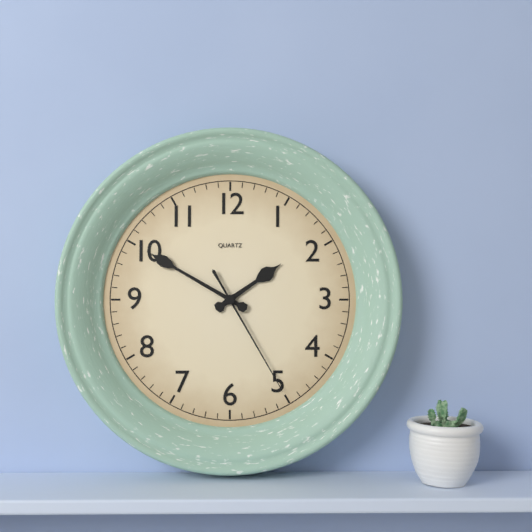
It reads 1h50m25s
